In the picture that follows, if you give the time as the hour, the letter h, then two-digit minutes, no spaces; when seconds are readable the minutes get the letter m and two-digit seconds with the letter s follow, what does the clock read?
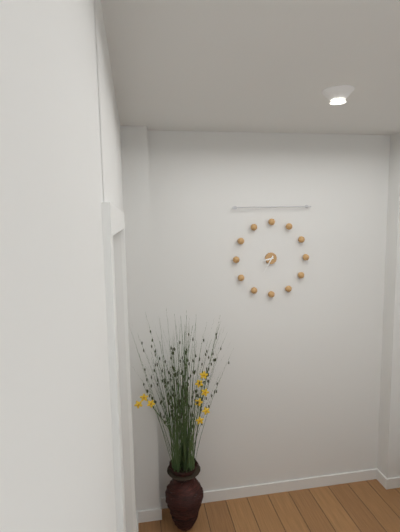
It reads 8h35
